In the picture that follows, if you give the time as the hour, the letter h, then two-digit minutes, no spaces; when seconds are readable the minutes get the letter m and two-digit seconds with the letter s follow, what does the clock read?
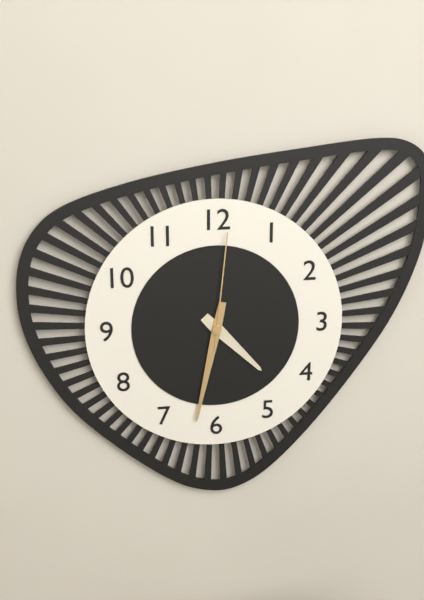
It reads 4h32m01s
